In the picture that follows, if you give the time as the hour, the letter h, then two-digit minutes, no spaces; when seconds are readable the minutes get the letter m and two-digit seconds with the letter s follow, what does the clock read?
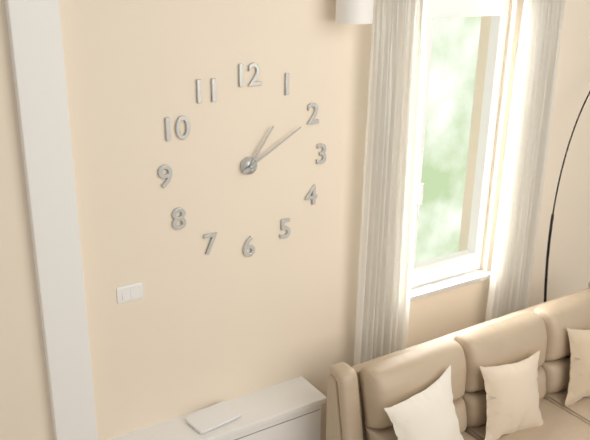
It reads 1h10
